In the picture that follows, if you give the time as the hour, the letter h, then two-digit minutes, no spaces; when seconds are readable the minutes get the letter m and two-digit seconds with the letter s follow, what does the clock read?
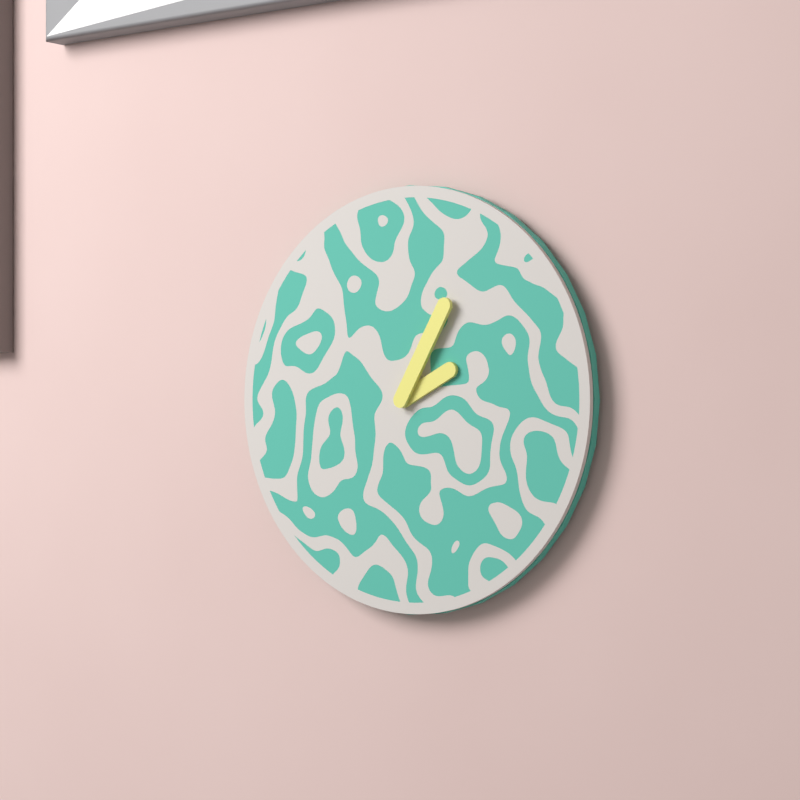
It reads 2h05
